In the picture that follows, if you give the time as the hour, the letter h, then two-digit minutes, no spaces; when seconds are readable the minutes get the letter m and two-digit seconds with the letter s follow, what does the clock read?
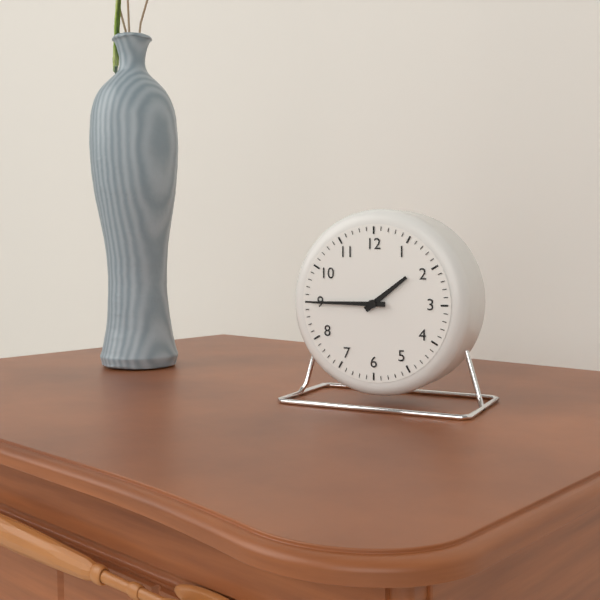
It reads 1h45
